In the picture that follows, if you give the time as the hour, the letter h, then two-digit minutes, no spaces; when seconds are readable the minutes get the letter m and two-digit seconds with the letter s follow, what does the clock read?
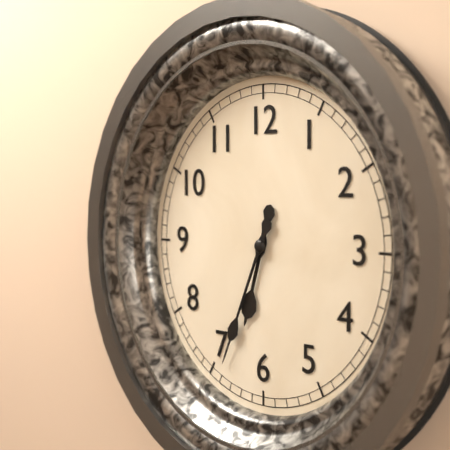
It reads 6h34
